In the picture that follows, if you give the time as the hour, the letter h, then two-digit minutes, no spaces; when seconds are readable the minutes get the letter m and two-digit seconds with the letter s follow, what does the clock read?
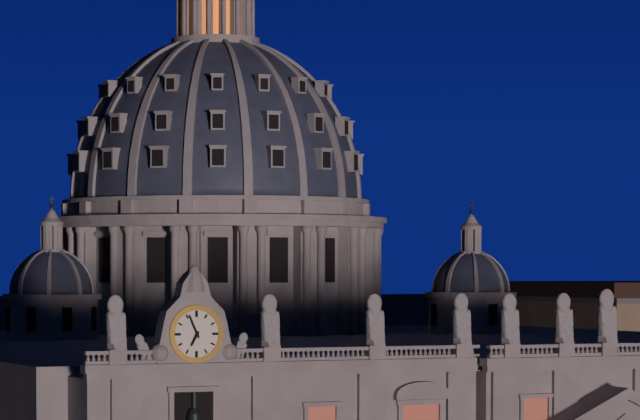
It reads 6h56
